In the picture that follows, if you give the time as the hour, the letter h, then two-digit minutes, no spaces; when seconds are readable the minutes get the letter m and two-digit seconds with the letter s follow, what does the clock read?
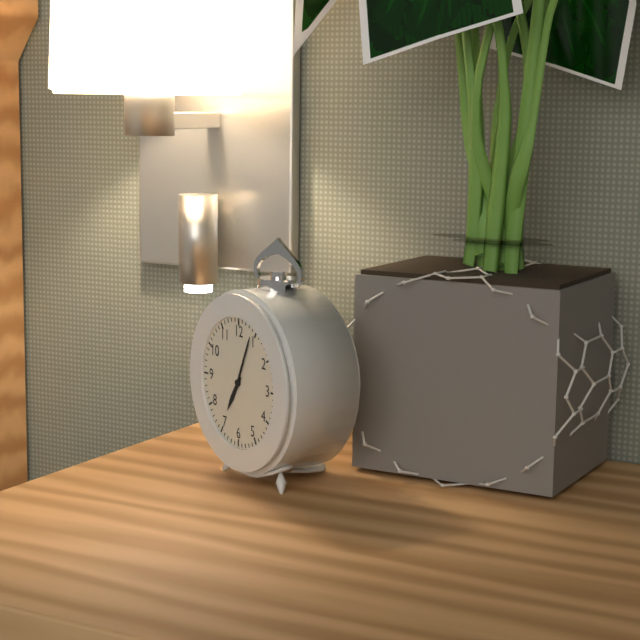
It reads 7h04
